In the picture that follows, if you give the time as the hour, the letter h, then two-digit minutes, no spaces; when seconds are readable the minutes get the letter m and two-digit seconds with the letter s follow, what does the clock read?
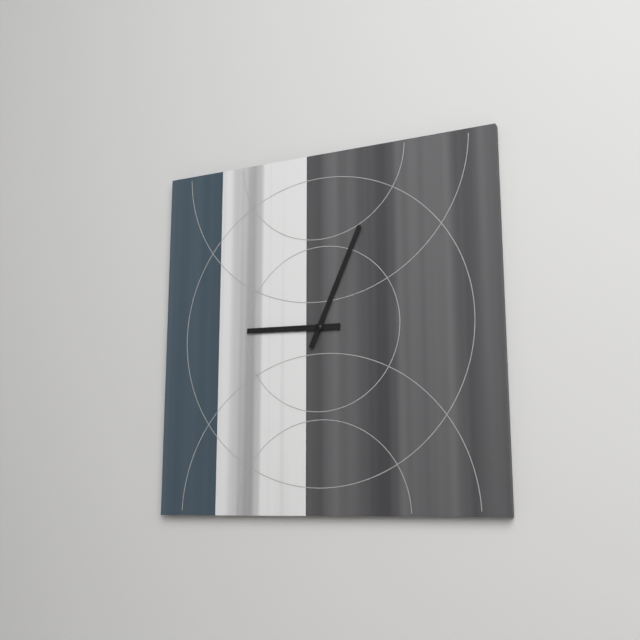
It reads 9h04
